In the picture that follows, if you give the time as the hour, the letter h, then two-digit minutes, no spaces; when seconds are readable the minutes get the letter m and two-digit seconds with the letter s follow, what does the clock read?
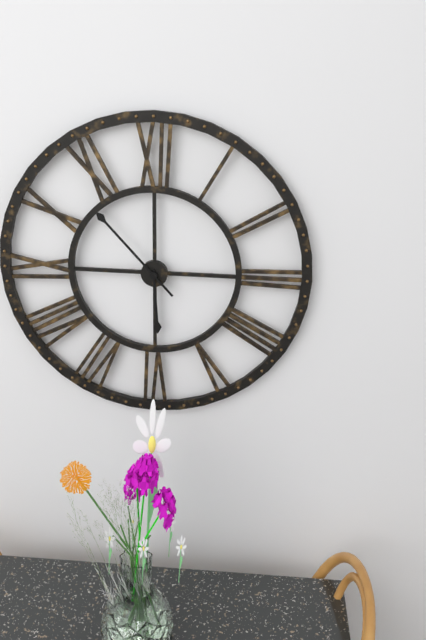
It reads 5h53
